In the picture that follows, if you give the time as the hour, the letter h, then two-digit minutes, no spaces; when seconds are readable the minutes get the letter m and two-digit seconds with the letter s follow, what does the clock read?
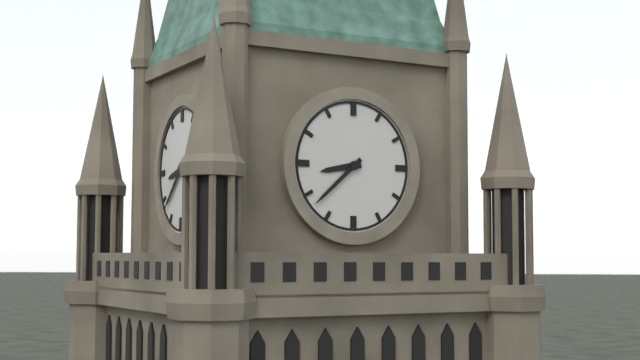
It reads 8h38
